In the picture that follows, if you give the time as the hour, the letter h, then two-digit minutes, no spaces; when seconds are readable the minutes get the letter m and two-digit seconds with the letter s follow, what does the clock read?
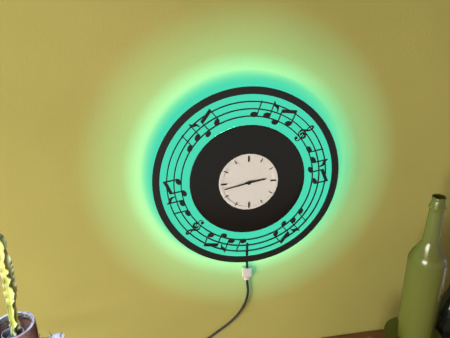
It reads 2h43
